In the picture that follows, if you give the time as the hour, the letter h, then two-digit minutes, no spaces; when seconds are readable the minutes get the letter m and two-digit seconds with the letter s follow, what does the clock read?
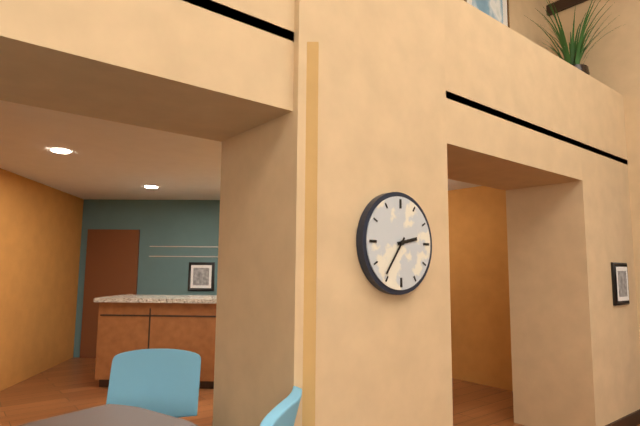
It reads 2h36
